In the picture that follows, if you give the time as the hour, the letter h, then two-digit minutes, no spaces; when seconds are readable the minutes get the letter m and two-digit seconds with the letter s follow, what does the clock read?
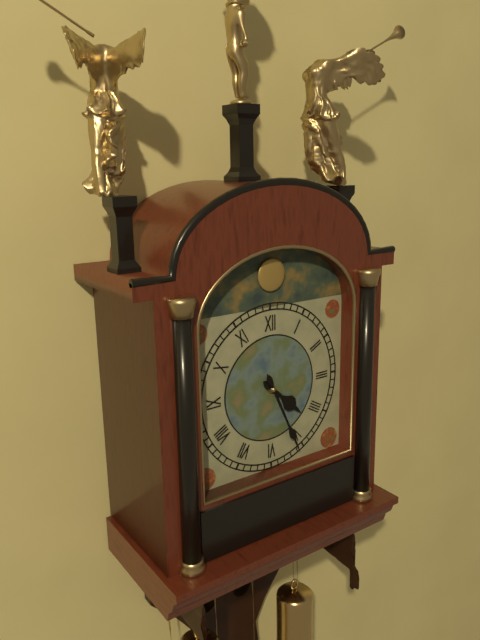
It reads 4h26
